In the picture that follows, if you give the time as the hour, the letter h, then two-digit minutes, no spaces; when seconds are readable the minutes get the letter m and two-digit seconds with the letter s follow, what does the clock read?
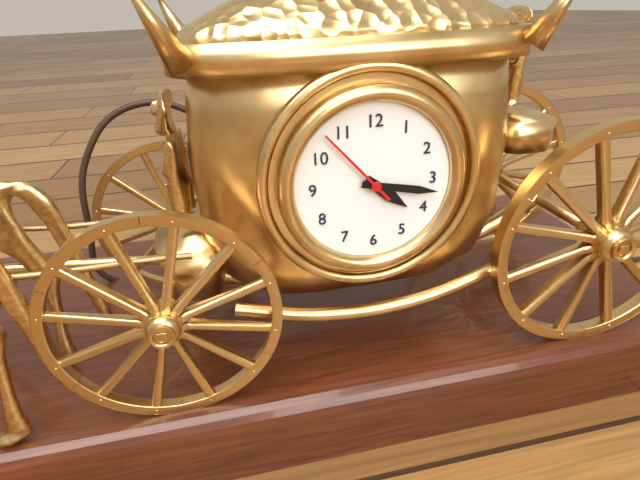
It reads 4h17m53s
